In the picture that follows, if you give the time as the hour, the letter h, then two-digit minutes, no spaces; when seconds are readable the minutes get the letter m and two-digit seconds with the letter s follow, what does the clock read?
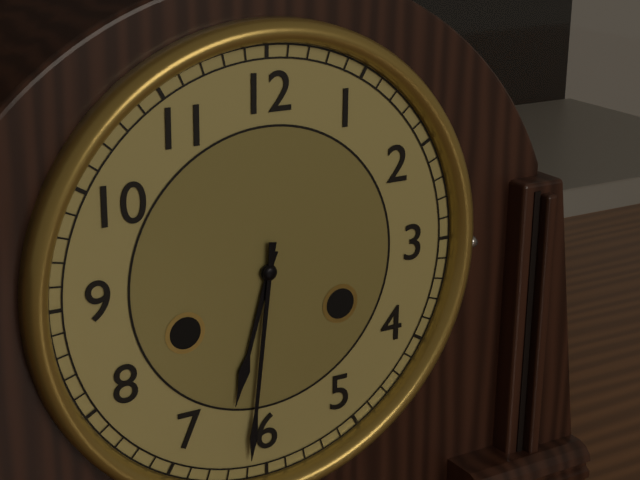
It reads 6h31
